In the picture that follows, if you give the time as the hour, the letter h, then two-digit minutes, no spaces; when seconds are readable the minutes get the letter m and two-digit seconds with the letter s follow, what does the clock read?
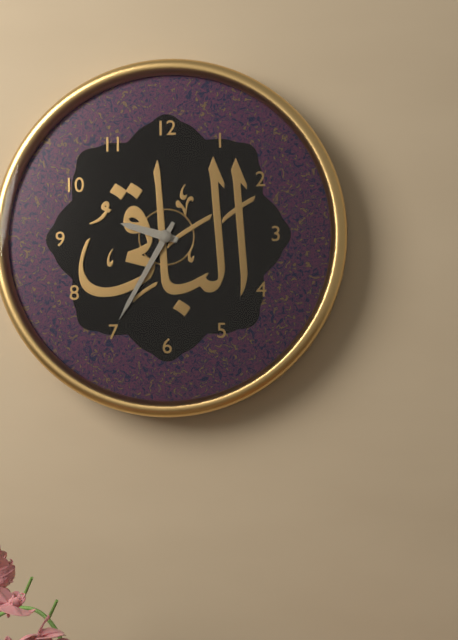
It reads 9h35
